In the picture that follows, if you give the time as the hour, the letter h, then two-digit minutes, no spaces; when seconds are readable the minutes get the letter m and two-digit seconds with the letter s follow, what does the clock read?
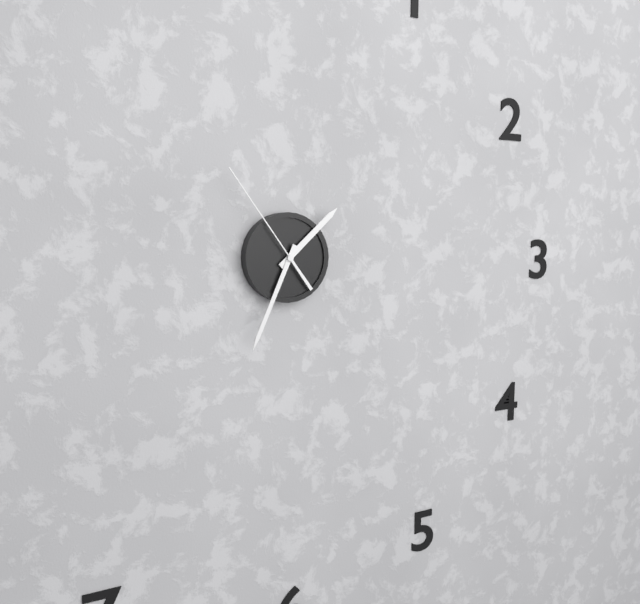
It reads 1h34m54s
